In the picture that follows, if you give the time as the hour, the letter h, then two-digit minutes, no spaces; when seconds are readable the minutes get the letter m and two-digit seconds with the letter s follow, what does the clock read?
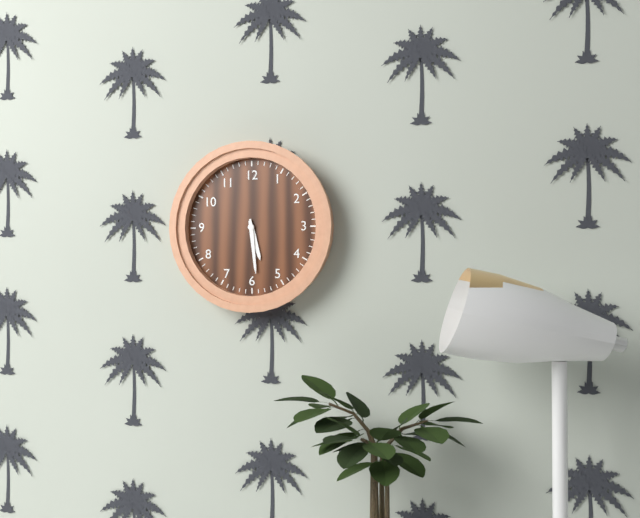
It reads 5h29
